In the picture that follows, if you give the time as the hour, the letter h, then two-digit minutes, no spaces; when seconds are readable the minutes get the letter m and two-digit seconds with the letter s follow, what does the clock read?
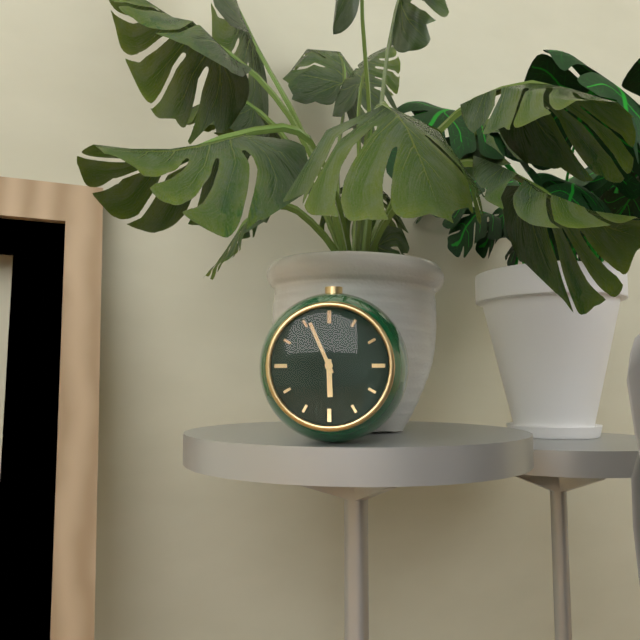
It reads 5h56
